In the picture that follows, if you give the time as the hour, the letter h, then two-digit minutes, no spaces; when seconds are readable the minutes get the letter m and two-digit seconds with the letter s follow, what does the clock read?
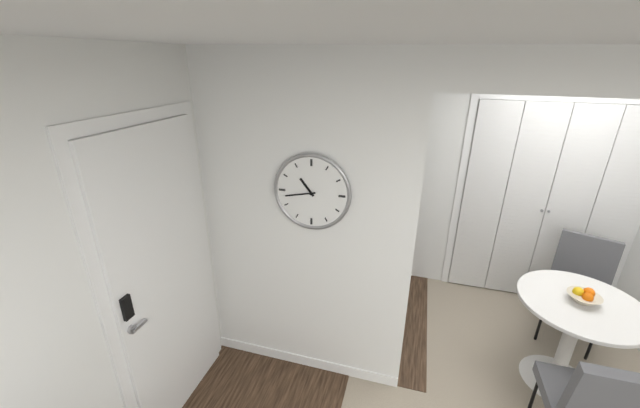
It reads 10h43
